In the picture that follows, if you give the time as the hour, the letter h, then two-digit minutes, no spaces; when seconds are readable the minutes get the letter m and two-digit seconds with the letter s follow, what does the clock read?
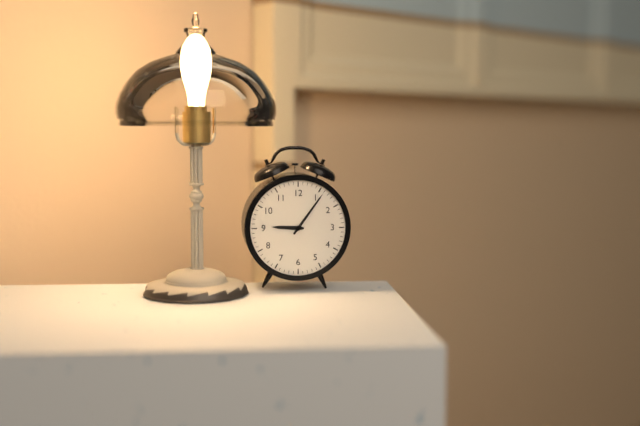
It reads 9h06
